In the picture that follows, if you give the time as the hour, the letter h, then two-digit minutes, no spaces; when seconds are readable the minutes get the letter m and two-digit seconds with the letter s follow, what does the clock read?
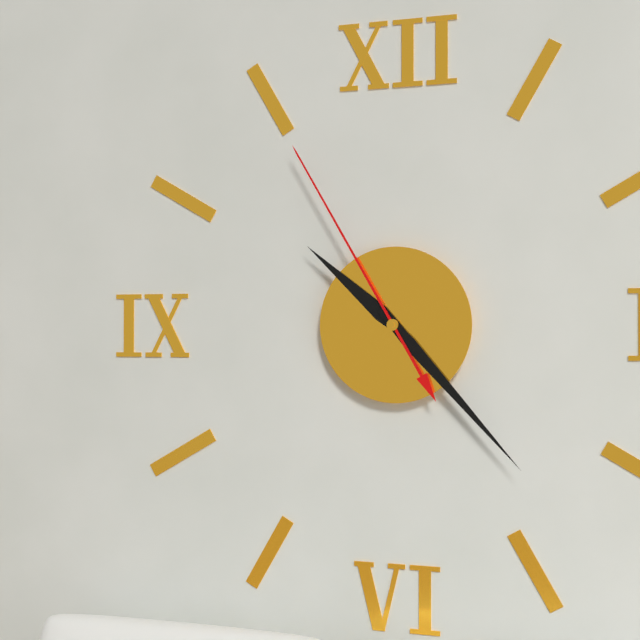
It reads 10h23m55s
